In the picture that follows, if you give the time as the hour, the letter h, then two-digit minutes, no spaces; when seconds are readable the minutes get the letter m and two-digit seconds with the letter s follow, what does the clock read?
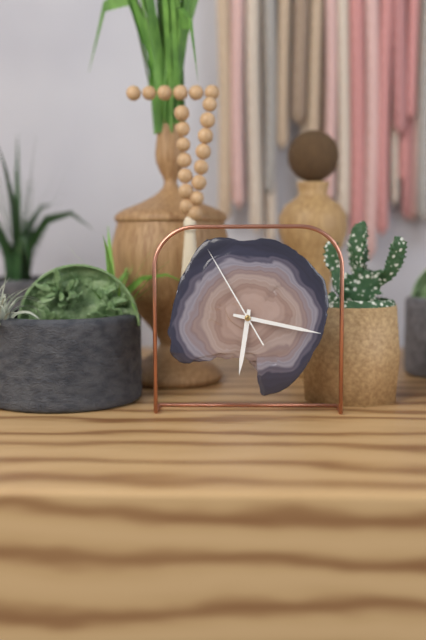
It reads 6h17m55s
